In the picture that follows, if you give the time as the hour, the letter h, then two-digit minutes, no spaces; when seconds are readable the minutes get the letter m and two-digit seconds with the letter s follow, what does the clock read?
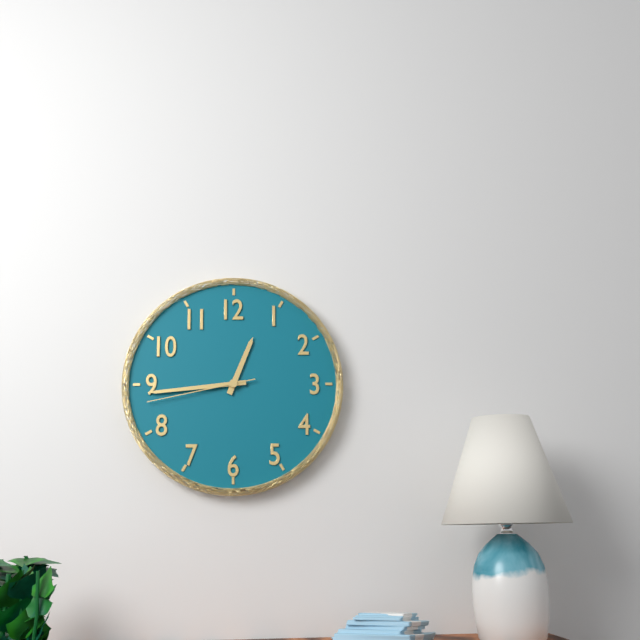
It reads 12h44m43s
